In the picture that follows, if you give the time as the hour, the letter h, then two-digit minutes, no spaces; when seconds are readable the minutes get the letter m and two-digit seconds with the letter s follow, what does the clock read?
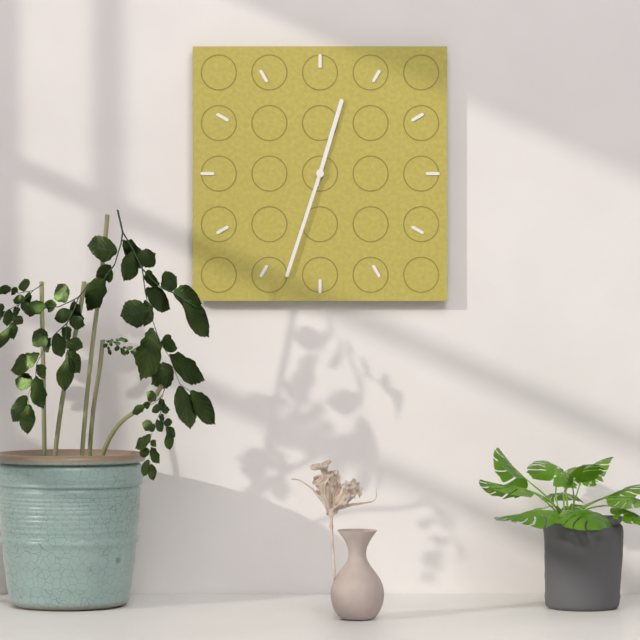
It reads 12h33
